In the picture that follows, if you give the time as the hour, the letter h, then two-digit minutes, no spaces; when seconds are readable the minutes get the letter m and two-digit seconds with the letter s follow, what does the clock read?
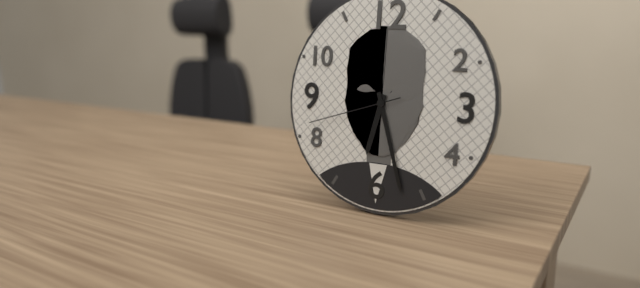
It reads 6h27m42s
